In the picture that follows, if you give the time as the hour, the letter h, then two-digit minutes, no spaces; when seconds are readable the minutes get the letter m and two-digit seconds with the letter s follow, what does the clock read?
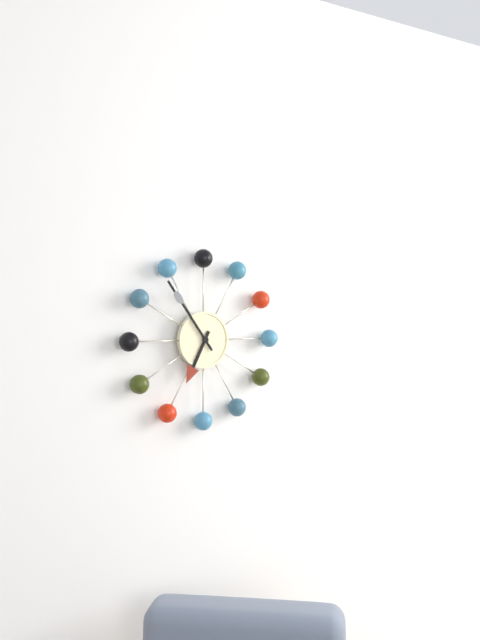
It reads 6h54
